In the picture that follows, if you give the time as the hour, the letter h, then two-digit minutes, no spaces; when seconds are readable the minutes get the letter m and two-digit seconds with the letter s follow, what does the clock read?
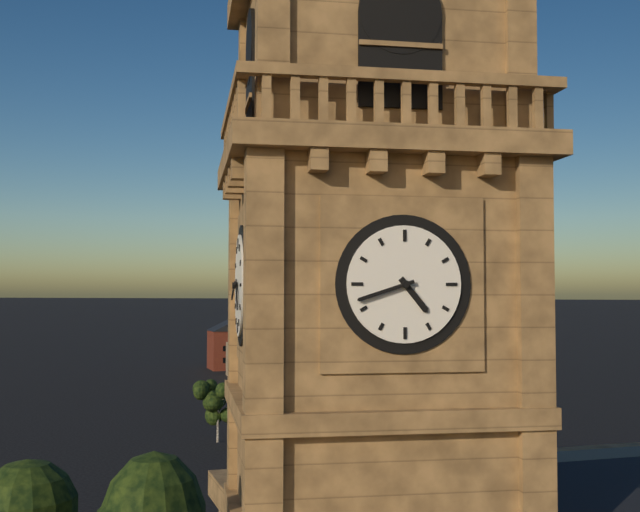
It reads 4h42
